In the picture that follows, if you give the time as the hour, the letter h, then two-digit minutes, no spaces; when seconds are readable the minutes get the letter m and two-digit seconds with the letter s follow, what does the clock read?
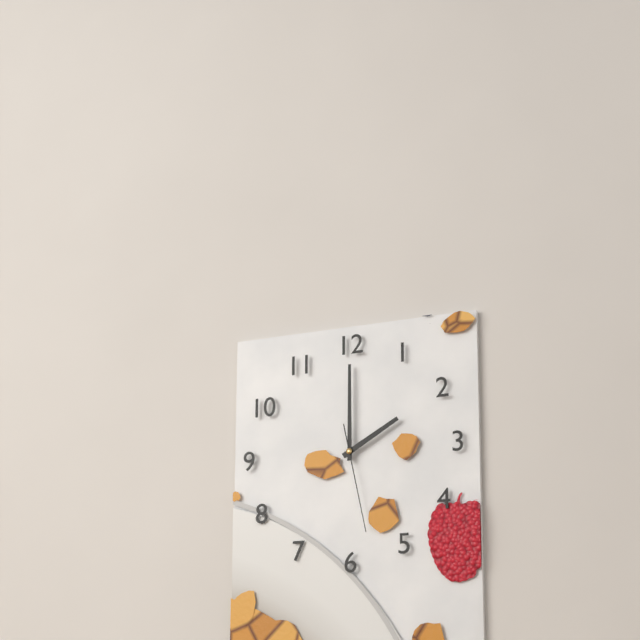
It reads 2h00m28s
